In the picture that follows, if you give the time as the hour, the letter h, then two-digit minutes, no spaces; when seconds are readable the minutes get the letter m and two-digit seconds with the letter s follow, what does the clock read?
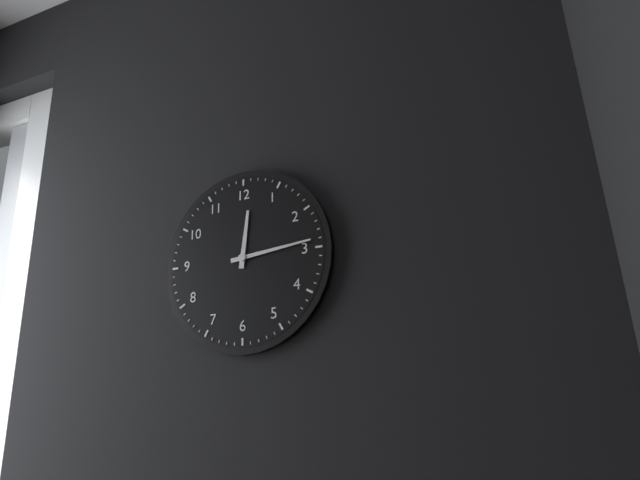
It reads 12h14
